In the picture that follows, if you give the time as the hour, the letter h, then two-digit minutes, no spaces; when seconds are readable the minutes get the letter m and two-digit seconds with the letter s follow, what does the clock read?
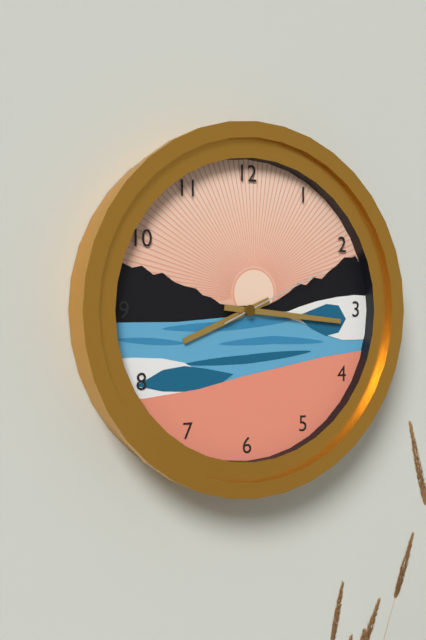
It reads 8h16m11s
